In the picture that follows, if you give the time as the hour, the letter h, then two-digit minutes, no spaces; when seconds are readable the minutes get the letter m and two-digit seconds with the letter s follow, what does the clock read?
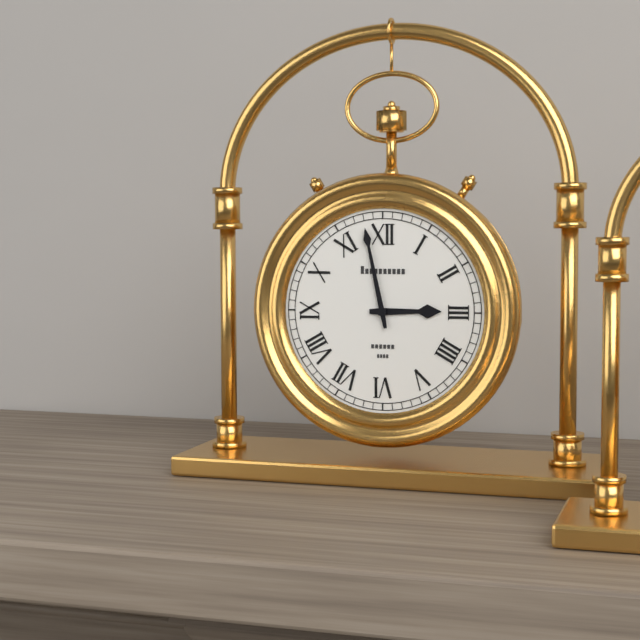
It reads 2h58
